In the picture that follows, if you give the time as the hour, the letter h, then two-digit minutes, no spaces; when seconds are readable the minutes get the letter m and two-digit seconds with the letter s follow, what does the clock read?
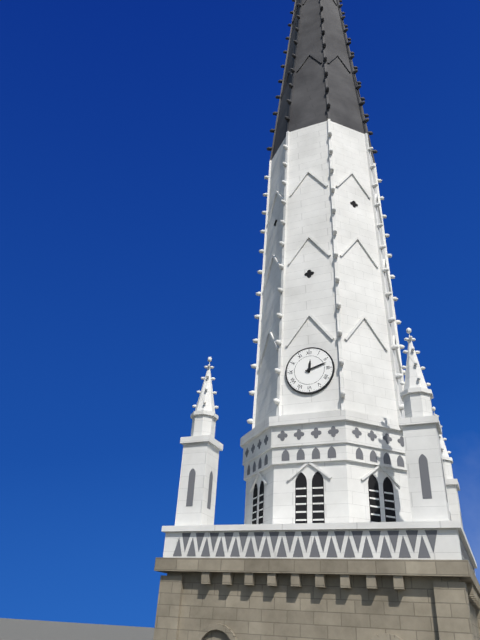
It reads 12h12
